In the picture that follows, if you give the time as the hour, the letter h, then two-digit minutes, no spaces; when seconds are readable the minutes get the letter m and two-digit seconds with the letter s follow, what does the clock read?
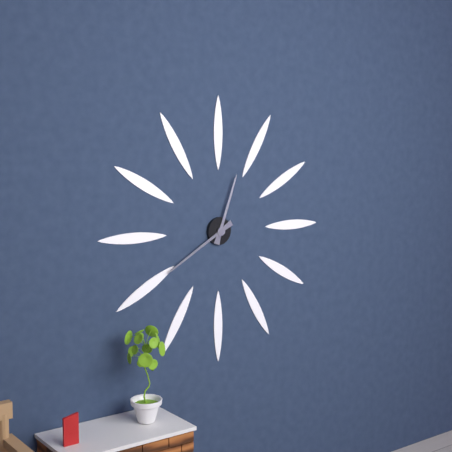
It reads 12h40
